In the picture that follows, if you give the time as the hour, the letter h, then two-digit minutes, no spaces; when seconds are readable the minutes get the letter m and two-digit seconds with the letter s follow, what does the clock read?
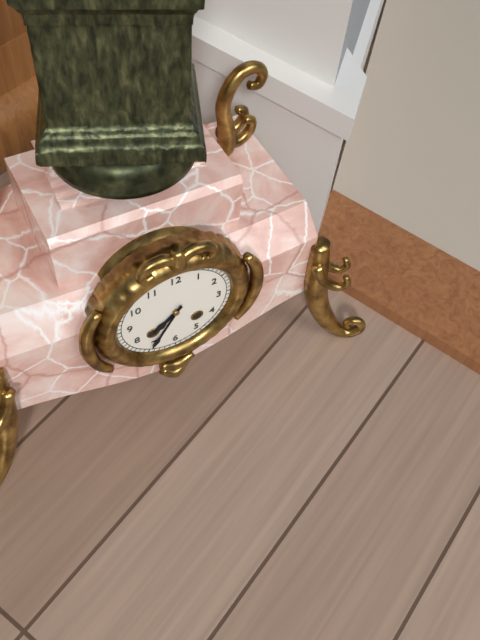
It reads 7h35
